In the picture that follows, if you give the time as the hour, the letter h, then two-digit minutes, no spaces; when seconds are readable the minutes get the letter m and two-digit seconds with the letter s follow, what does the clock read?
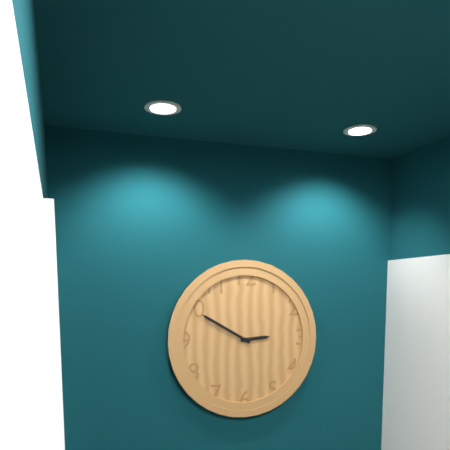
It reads 2h50
